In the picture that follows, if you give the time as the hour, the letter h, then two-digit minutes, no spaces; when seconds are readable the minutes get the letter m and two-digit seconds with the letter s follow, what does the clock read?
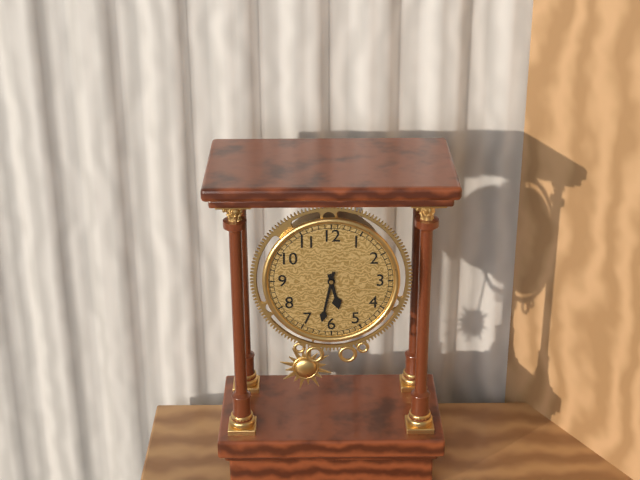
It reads 5h32
